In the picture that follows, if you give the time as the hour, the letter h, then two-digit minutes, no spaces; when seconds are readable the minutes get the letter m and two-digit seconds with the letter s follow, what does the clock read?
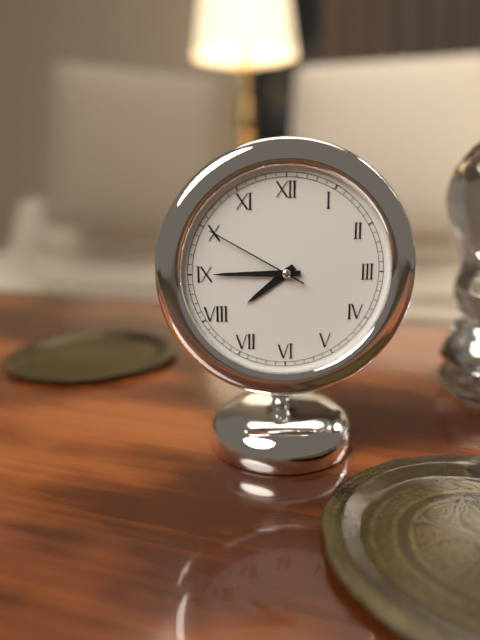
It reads 7h45m50s
